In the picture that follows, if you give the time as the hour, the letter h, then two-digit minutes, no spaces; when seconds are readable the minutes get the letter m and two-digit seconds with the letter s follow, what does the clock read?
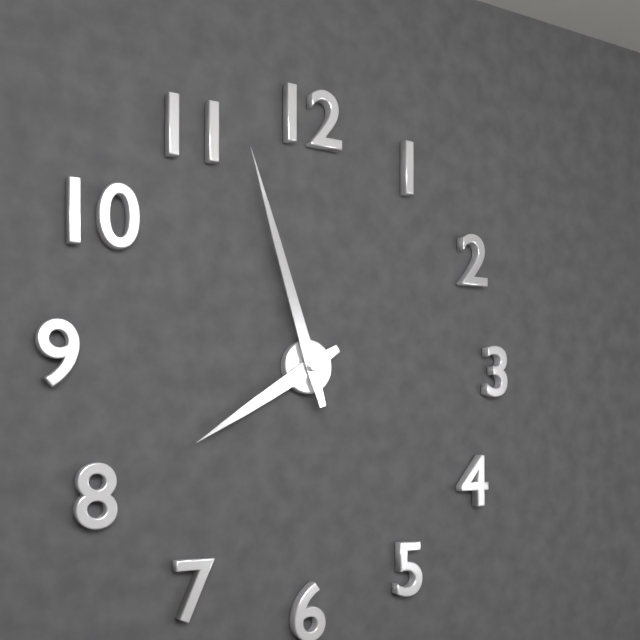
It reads 7h57
